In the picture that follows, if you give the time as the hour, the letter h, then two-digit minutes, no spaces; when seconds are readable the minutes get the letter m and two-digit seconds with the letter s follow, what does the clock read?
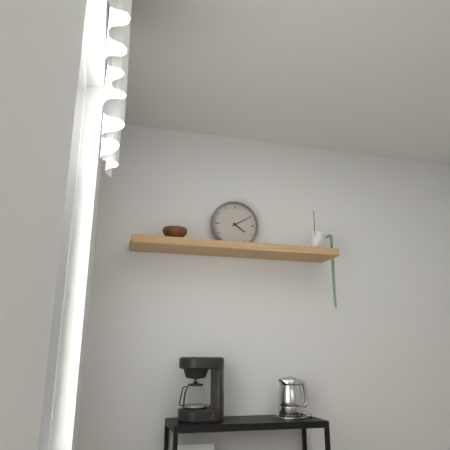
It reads 4h10
